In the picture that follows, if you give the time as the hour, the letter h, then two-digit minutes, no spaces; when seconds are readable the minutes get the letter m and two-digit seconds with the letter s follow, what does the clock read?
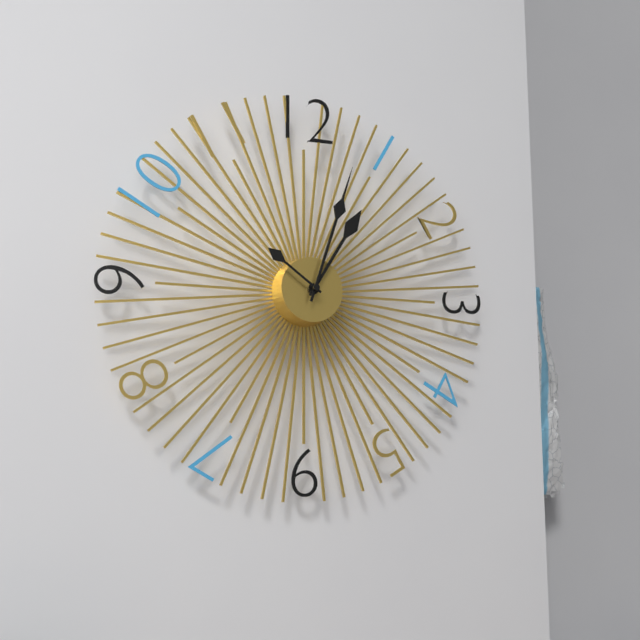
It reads 1h03m51s
